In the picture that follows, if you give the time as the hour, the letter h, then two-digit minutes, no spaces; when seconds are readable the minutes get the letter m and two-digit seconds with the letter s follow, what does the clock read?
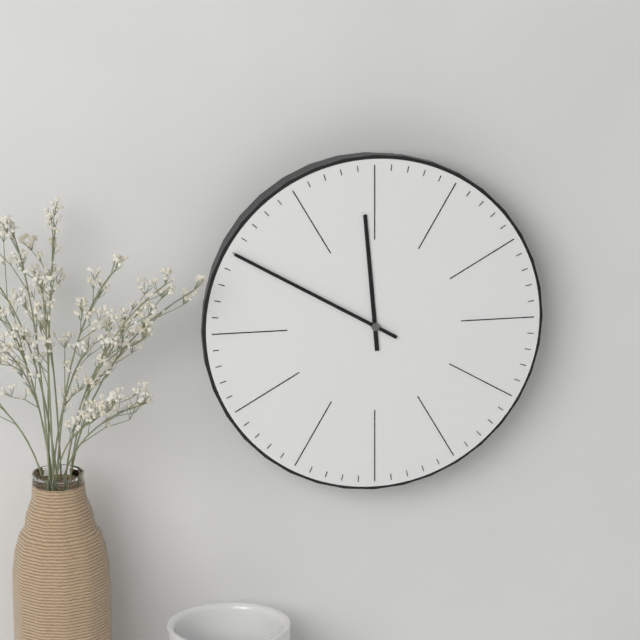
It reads 11h50
